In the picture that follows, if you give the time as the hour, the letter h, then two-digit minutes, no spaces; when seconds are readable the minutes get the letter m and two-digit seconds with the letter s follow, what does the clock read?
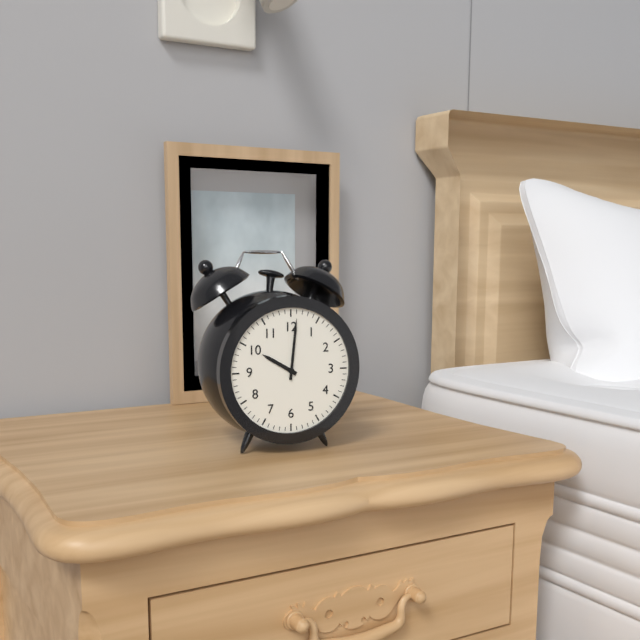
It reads 10h01
